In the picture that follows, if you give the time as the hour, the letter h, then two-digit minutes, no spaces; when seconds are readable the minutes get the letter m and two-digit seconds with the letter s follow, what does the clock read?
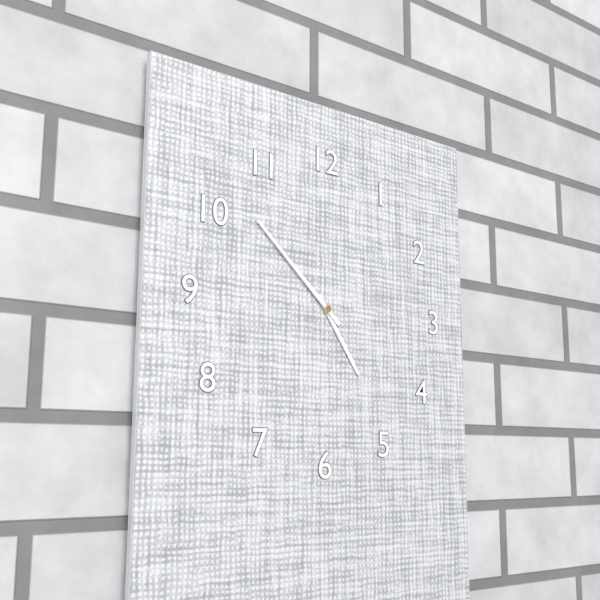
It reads 4h52
